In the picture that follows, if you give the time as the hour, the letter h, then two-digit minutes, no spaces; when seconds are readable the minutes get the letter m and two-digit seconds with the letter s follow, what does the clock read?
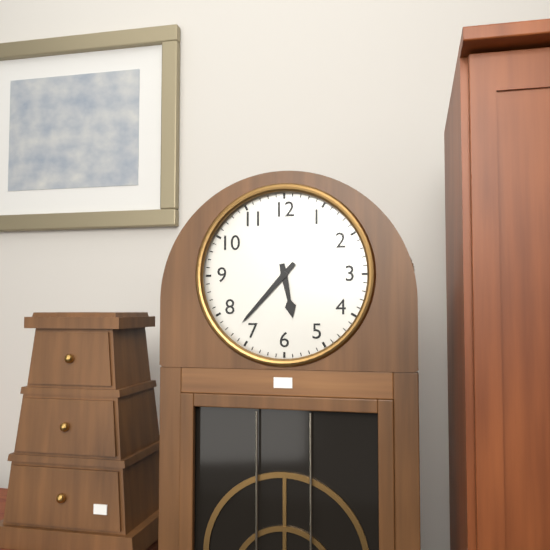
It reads 5h37
